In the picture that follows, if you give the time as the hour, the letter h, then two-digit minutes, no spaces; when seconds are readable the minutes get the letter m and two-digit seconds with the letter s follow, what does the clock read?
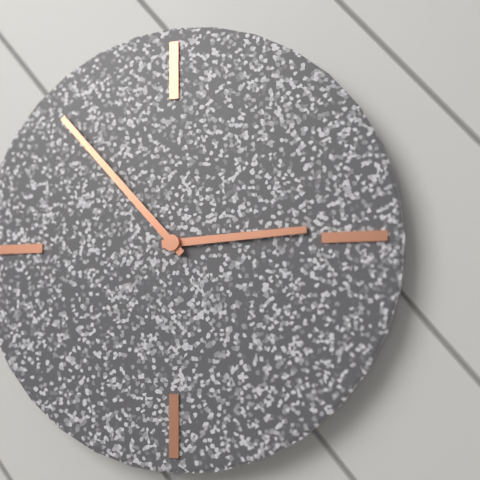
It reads 2h53
